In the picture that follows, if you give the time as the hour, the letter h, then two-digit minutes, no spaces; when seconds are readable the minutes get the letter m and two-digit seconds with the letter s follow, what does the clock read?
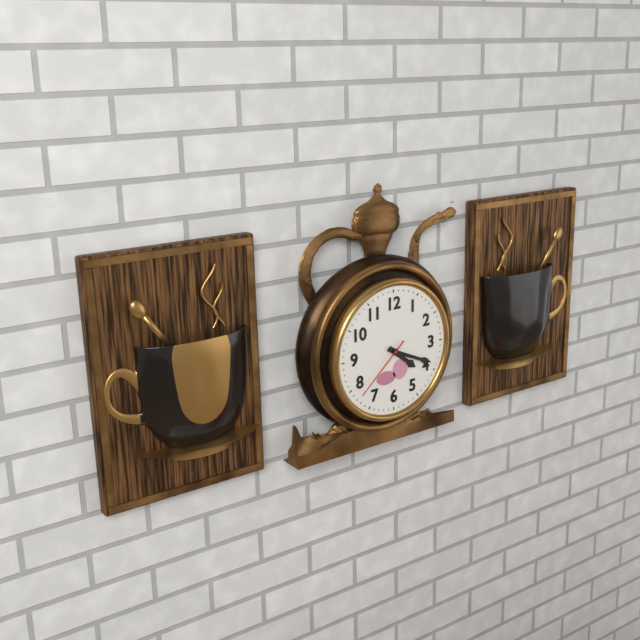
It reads 4h19m38s
